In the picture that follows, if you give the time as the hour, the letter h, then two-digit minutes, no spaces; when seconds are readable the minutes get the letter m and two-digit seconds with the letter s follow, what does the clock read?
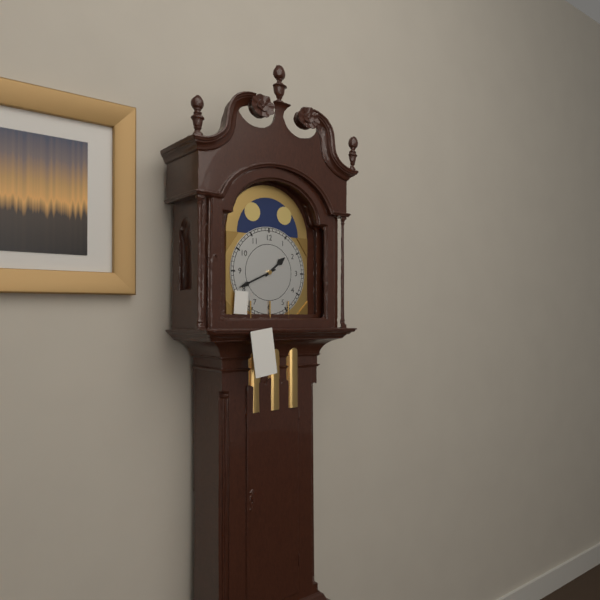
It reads 1h41
